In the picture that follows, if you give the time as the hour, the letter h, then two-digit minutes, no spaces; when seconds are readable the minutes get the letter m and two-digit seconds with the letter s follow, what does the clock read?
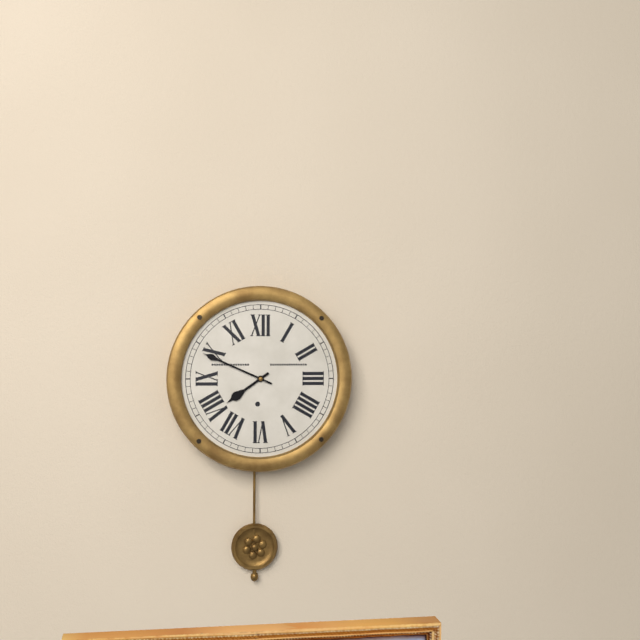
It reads 7h49
